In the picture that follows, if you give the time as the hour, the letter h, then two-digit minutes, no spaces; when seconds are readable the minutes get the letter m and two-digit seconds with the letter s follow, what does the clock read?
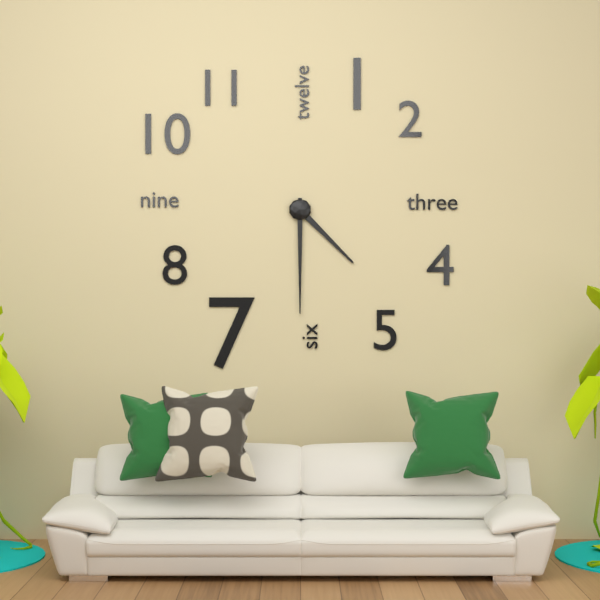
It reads 4h30
